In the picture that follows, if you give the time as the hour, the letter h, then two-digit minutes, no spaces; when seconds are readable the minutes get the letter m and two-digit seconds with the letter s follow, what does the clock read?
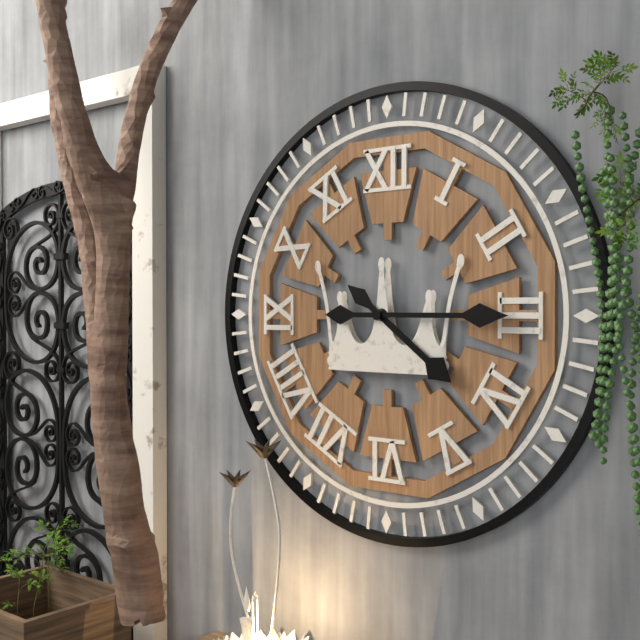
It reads 4h15
